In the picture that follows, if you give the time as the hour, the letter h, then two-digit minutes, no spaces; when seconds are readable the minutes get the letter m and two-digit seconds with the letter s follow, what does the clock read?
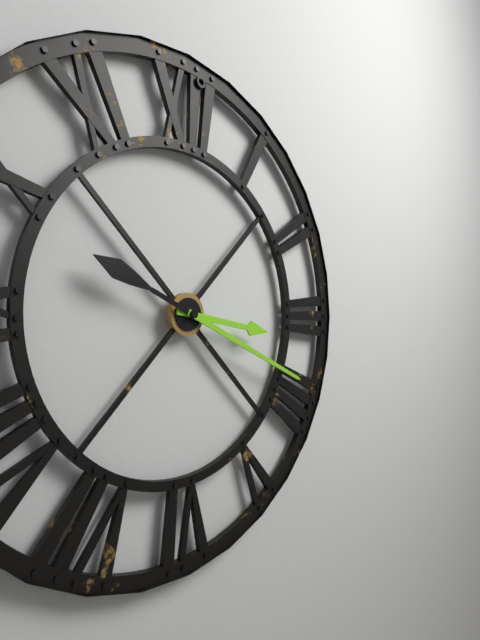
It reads 3h19
